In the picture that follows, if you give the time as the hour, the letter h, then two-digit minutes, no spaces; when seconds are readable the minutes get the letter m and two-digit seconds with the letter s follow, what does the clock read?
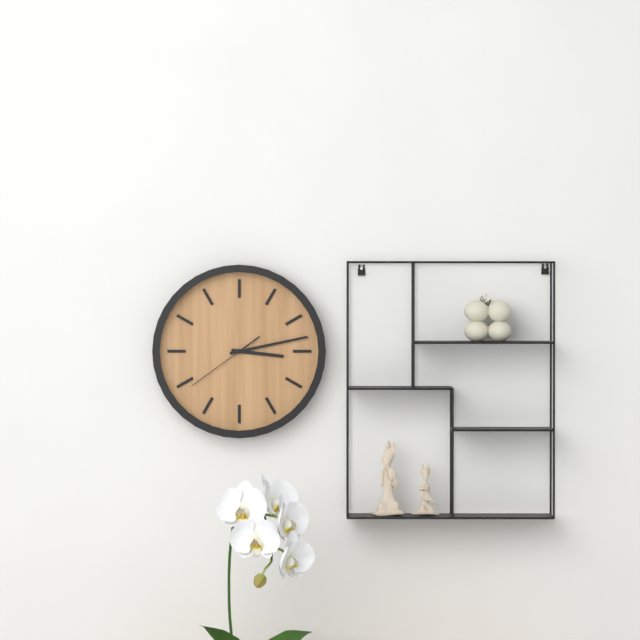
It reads 3h13m39s
